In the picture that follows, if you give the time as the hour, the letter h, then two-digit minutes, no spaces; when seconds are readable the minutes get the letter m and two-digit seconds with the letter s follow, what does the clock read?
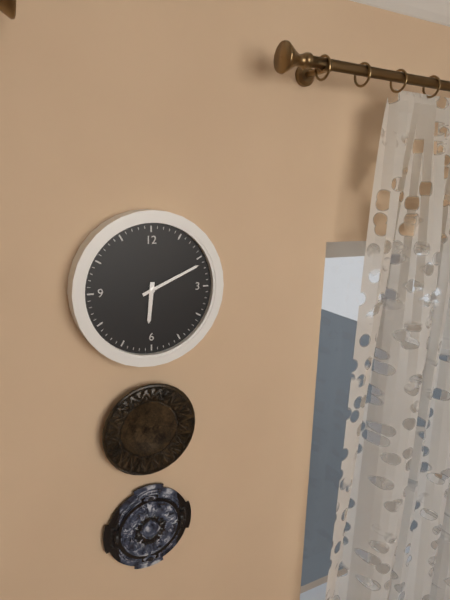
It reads 6h11
